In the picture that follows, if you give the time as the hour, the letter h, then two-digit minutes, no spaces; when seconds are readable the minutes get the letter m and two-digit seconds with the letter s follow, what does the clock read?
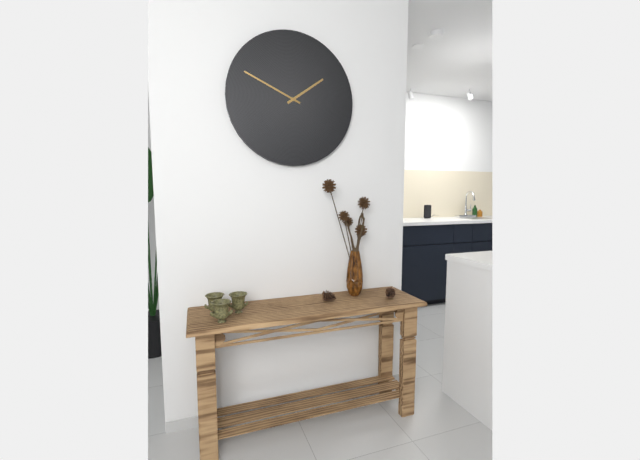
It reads 1h49
